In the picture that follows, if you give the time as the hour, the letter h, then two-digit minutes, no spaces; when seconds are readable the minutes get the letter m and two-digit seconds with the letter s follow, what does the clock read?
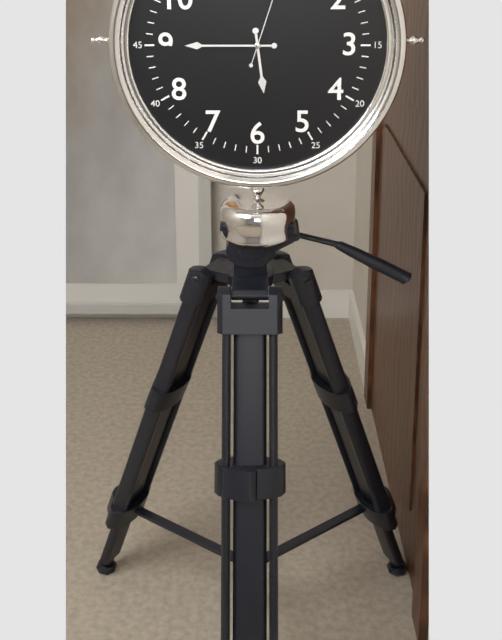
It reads 5h45
